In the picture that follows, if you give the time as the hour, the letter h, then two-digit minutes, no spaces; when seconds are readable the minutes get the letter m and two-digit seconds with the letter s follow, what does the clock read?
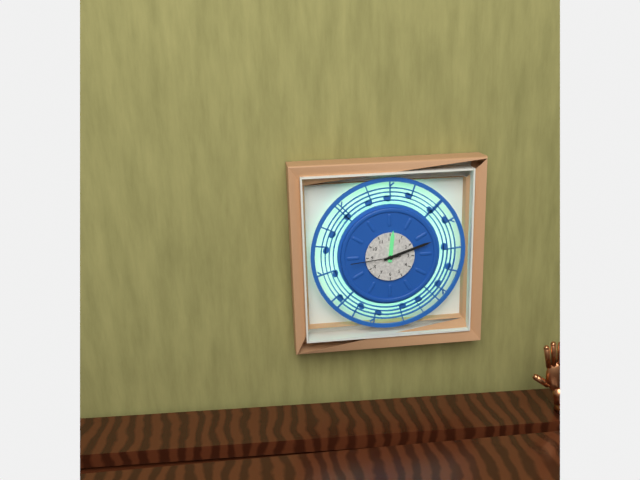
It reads 12h12m44s
